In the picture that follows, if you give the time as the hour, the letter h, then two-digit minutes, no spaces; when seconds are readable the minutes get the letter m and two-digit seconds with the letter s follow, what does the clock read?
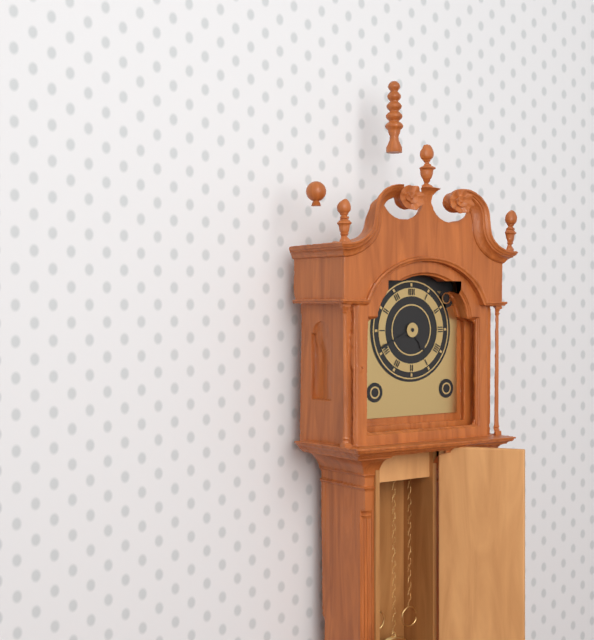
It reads 4h41
